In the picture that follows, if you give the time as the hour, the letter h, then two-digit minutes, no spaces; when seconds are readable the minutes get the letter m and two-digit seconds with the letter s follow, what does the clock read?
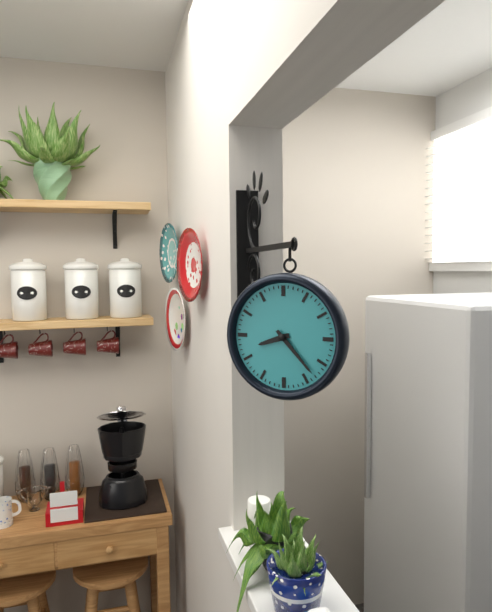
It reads 8h23
